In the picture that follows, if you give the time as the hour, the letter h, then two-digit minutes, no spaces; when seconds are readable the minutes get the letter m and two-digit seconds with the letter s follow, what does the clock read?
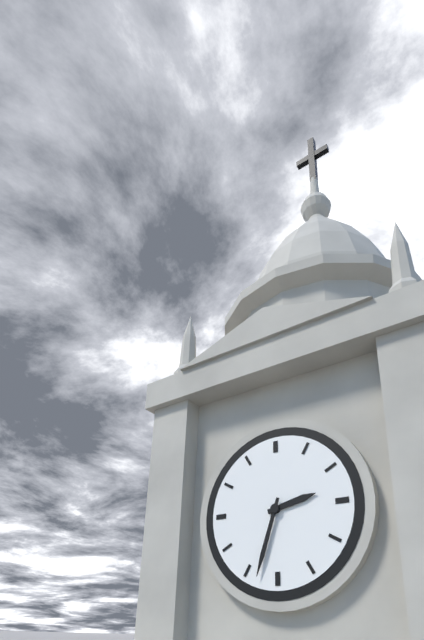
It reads 2h33
